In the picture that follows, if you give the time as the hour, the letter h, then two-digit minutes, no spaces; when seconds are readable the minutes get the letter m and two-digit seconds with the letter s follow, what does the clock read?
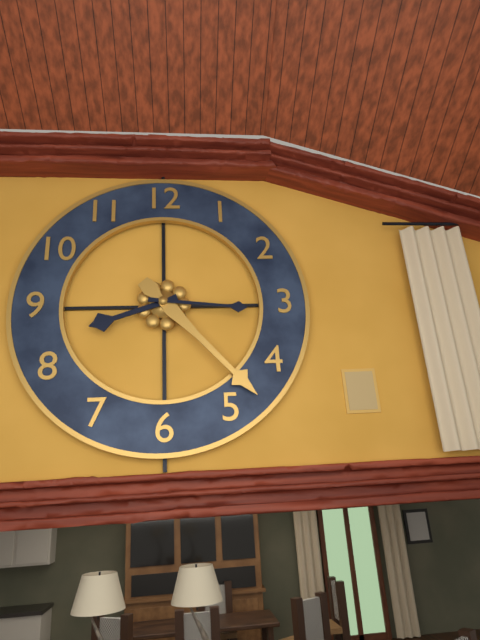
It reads 8h23m16s
